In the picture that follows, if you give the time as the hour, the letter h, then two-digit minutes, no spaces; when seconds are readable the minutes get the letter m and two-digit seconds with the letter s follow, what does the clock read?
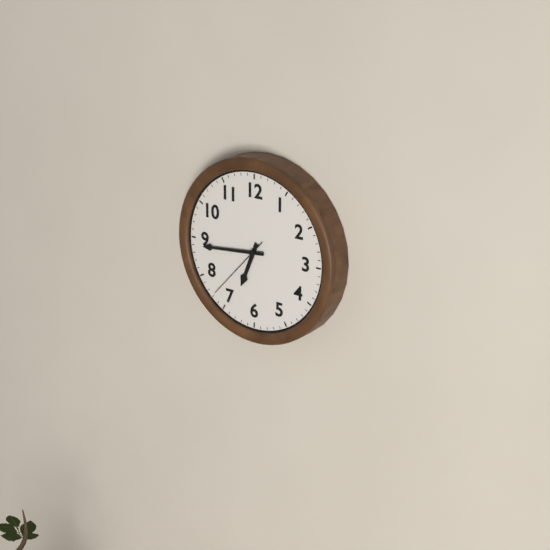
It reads 6h44m37s
